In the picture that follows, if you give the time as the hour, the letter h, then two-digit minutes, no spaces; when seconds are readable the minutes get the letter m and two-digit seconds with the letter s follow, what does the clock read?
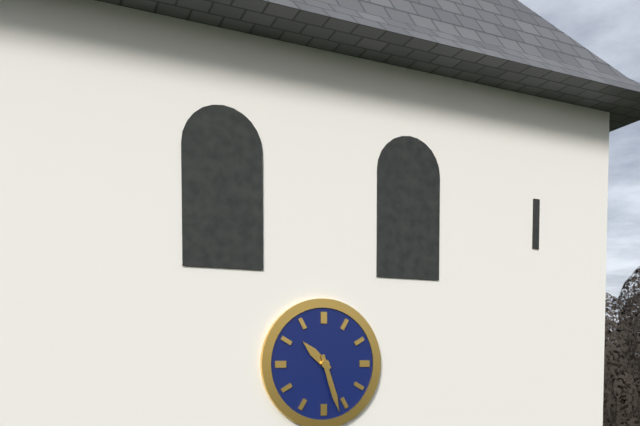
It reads 10h27
